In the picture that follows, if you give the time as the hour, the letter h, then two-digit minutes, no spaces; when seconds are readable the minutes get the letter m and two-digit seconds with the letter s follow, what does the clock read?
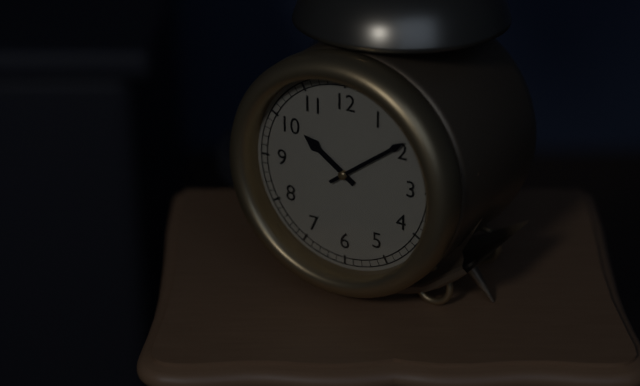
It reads 10h09
